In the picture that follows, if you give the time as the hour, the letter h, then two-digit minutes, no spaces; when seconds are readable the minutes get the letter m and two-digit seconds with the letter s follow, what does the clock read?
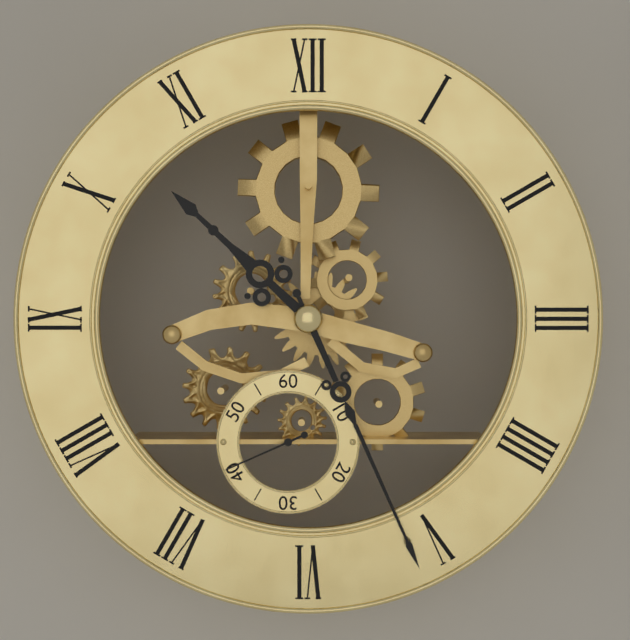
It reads 10h26m41s
